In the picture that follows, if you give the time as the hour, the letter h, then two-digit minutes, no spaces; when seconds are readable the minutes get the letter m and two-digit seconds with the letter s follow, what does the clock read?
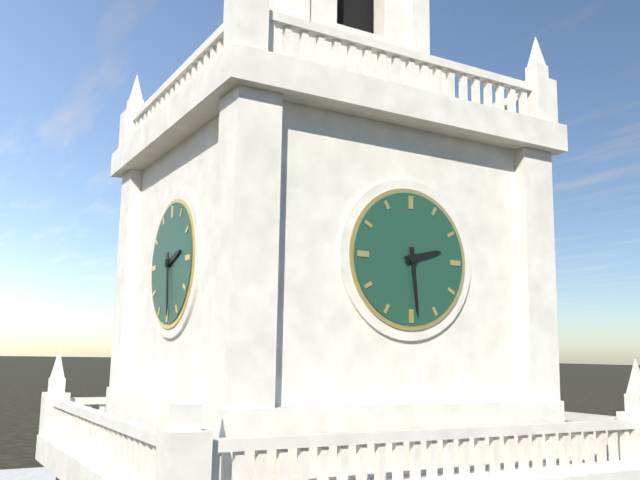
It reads 2h29
